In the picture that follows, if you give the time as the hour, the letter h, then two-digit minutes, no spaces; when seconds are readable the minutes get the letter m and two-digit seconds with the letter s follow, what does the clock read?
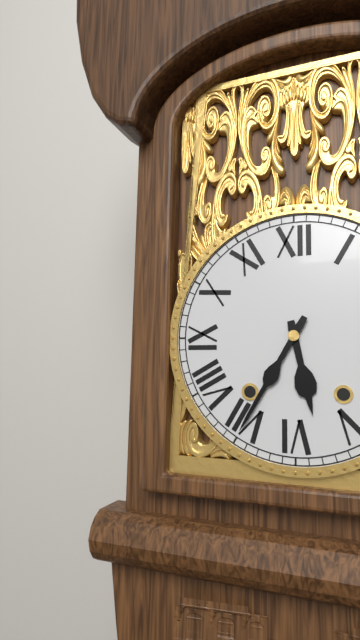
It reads 5h35
